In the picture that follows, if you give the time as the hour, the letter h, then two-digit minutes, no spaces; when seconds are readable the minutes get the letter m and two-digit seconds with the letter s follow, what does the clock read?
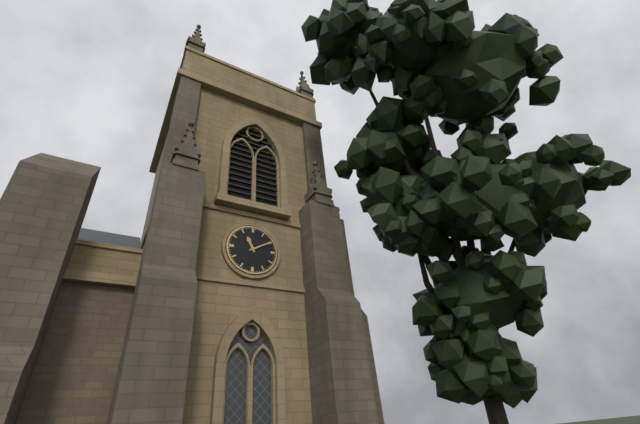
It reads 11h10
